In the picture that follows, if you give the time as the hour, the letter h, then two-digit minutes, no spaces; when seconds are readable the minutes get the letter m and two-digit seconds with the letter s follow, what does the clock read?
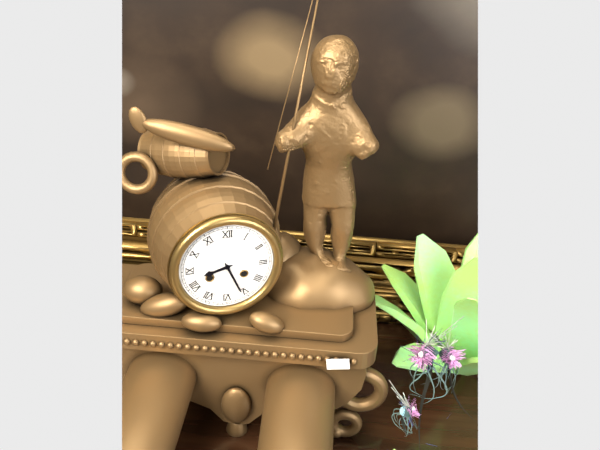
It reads 8h26
